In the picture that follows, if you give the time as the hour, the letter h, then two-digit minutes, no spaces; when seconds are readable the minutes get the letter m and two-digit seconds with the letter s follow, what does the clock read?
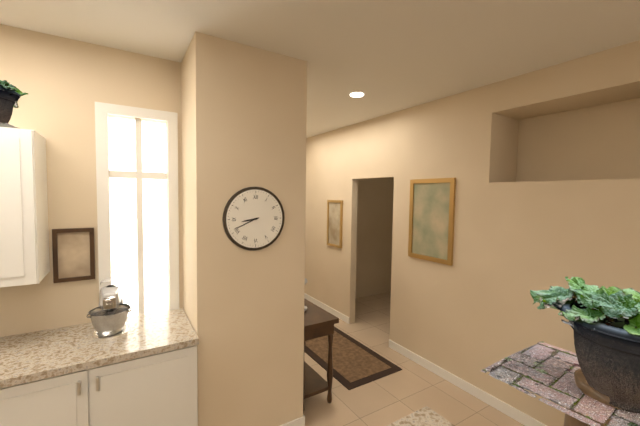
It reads 8h41
